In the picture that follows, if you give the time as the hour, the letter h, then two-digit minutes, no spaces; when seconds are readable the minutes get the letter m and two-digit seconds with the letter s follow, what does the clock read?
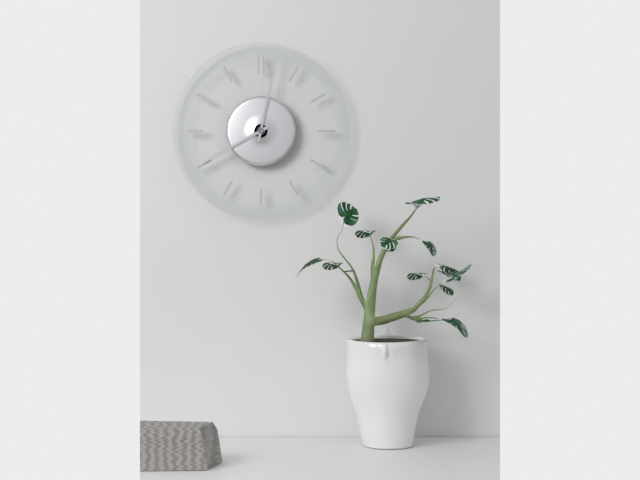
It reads 8h02
